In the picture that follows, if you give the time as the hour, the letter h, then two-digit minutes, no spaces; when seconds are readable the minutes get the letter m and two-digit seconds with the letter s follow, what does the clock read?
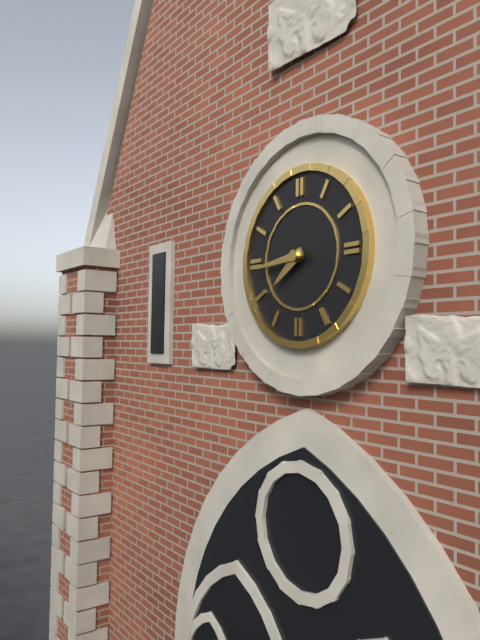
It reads 7h44
